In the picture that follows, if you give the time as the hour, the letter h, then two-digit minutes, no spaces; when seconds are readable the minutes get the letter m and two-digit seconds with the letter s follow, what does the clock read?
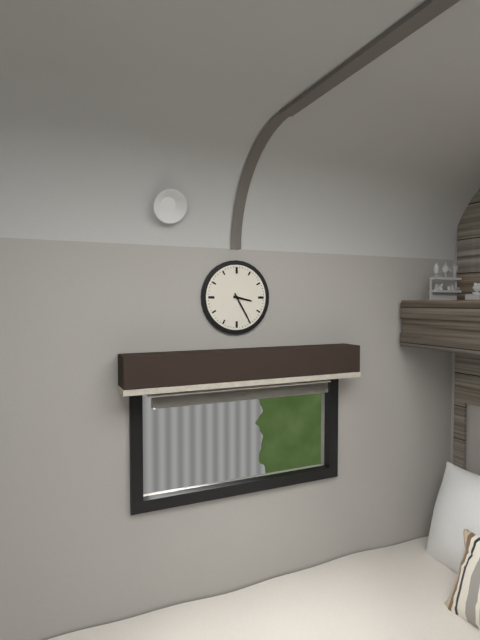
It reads 3h25
